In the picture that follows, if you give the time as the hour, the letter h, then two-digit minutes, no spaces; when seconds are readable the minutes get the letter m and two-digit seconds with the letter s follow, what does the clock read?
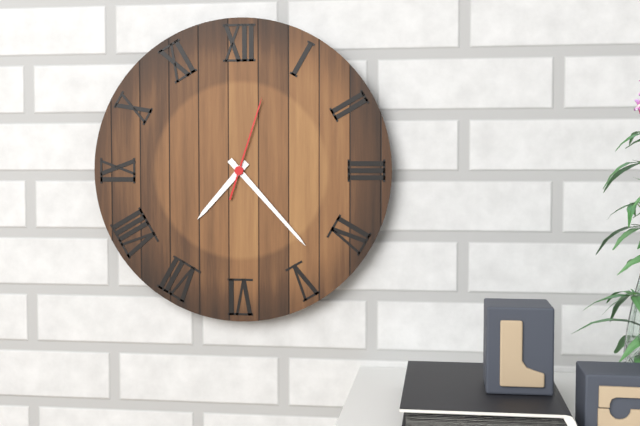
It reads 7h23m03s
